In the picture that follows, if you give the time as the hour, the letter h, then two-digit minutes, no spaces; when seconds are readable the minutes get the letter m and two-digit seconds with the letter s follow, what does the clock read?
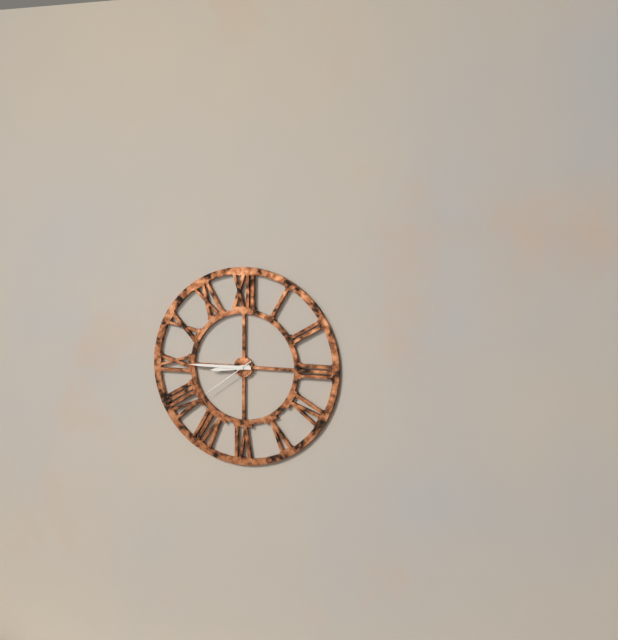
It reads 8h45m39s
